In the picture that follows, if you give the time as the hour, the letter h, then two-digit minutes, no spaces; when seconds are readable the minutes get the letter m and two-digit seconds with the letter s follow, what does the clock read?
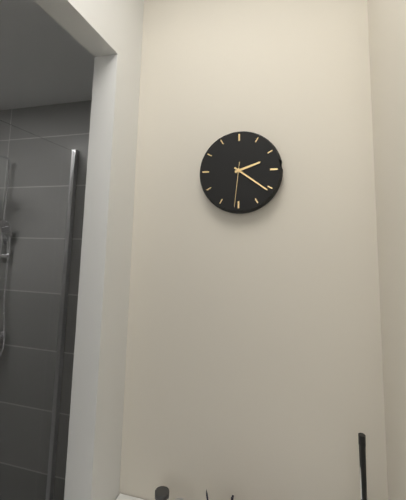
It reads 2h21
